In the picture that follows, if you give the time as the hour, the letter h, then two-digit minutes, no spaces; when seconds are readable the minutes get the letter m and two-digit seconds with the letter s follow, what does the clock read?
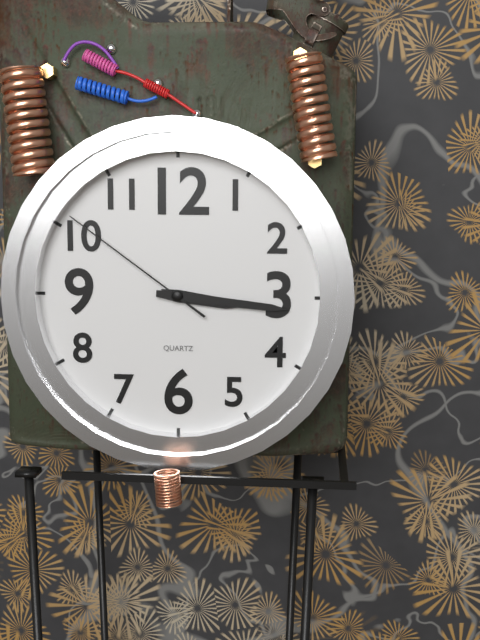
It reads 3h16m51s
